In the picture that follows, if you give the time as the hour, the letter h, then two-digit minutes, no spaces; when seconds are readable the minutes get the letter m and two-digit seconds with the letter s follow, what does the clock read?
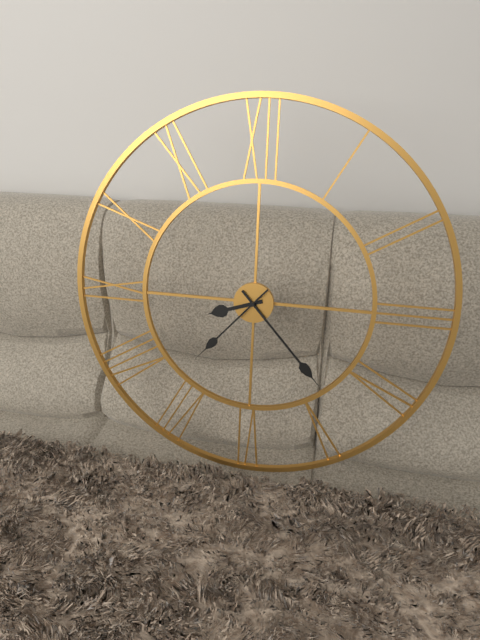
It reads 8h23m37s
